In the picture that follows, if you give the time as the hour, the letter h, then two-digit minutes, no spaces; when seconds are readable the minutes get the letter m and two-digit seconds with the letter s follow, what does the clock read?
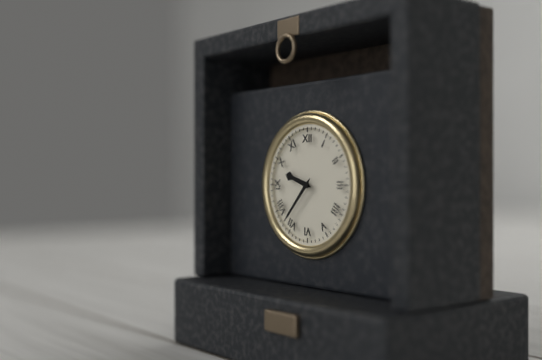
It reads 9h37
